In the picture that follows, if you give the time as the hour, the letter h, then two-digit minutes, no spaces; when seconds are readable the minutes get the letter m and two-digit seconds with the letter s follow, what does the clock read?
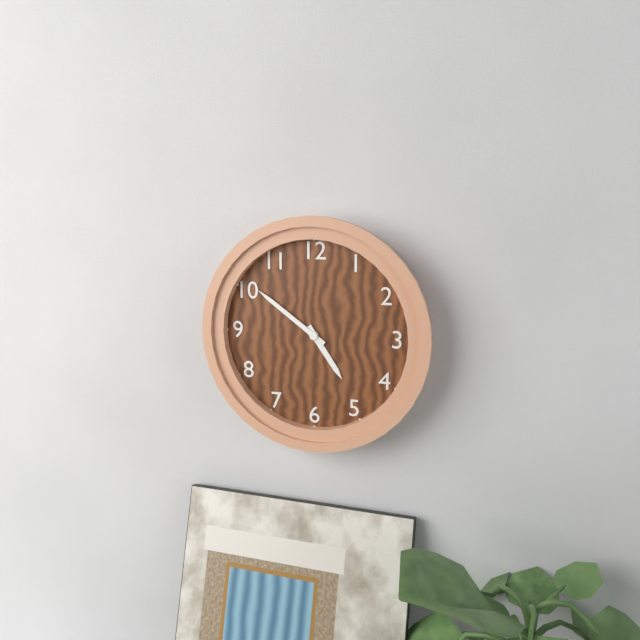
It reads 4h51
